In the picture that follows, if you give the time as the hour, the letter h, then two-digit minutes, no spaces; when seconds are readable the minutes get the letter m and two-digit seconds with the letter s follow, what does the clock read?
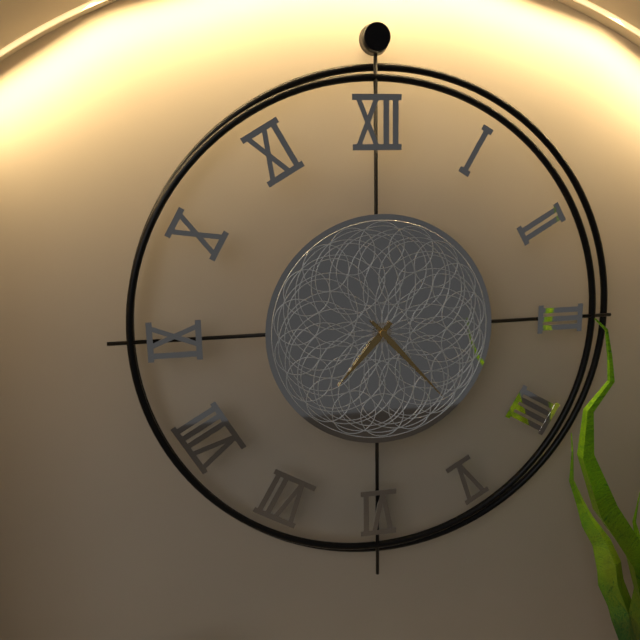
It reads 7h23
